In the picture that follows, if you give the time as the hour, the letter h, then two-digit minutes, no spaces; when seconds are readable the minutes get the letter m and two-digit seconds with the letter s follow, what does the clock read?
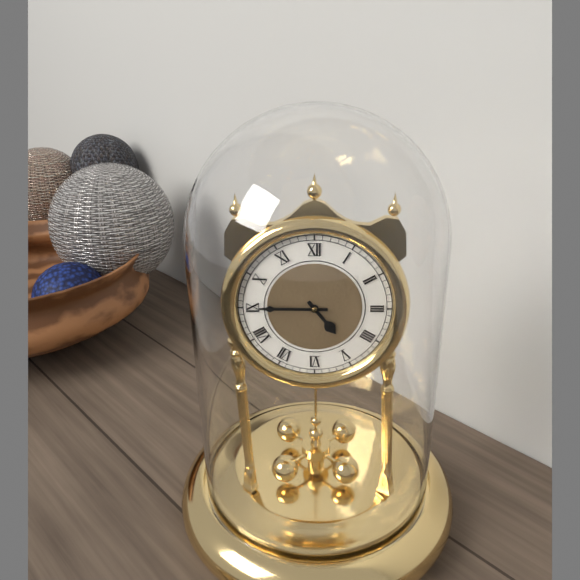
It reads 4h45
